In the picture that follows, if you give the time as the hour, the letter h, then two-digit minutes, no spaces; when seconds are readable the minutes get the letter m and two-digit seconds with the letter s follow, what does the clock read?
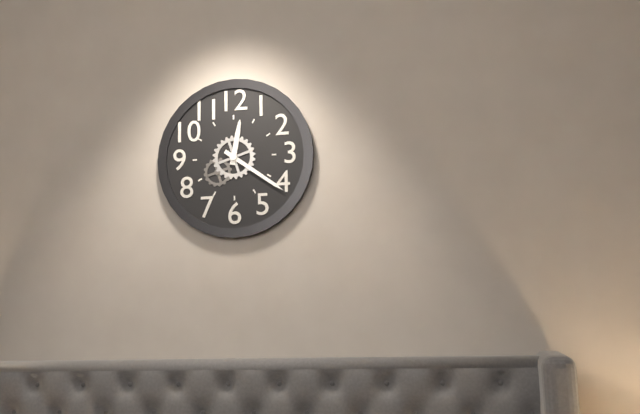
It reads 12h21
